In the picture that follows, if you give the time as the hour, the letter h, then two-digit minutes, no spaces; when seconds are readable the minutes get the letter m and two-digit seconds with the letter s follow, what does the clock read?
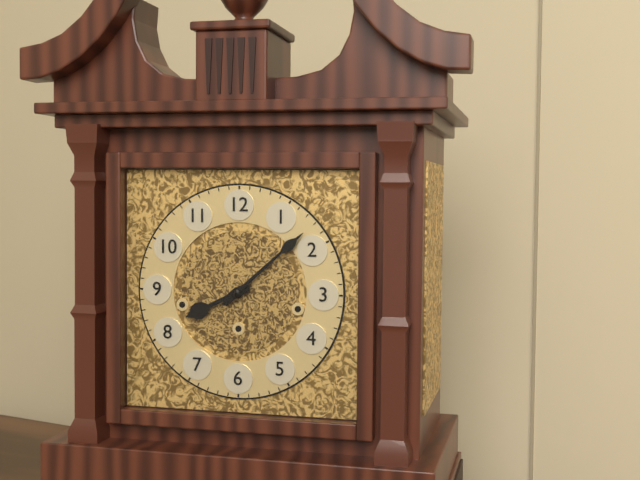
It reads 8h08
